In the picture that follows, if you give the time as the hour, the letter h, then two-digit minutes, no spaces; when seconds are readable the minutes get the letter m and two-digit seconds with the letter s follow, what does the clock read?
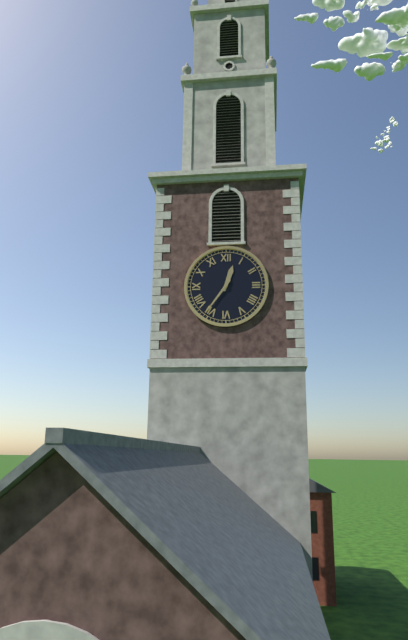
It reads 12h36
